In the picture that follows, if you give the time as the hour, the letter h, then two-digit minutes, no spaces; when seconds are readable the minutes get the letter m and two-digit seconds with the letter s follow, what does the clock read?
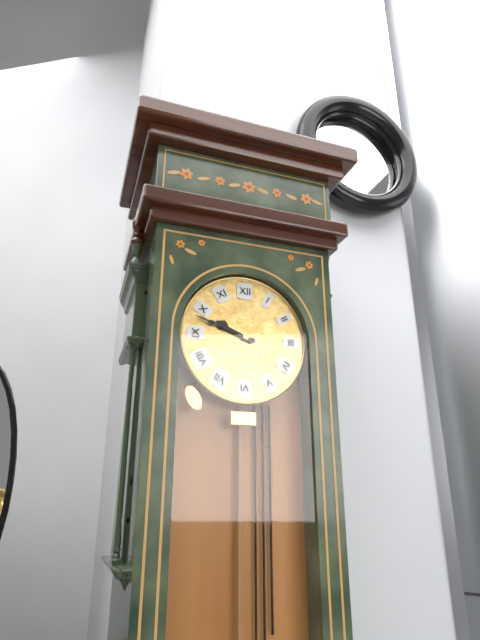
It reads 9h48
